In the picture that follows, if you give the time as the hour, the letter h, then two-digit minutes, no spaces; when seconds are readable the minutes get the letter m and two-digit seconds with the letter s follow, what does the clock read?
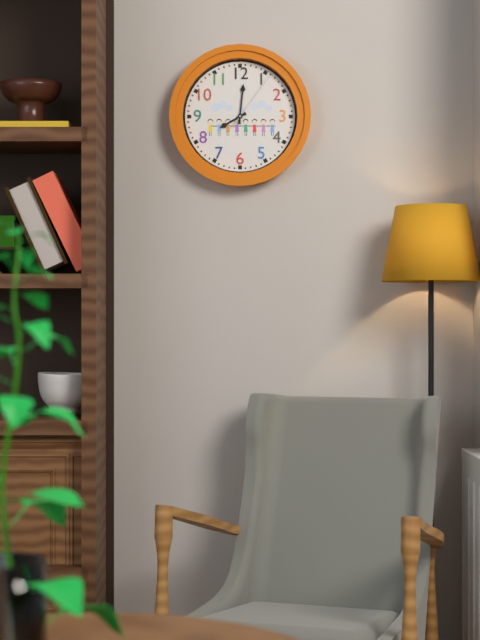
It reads 8h01m06s
